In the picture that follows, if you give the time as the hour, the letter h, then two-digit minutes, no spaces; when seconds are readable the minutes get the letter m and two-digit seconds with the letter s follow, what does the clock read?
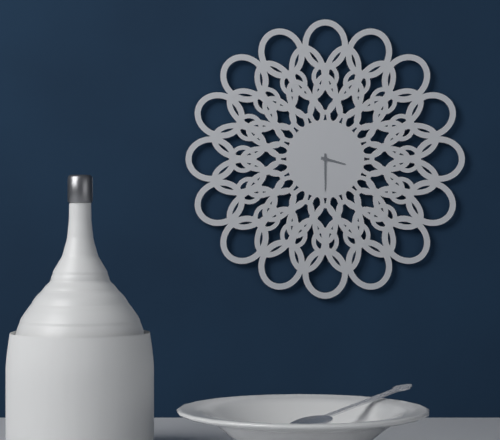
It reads 3h30
